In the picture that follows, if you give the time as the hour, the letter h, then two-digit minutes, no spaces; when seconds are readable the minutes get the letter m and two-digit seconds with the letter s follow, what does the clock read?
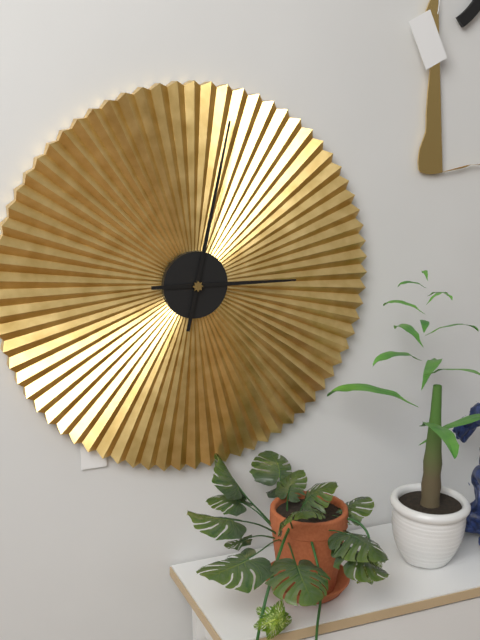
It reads 3h02
